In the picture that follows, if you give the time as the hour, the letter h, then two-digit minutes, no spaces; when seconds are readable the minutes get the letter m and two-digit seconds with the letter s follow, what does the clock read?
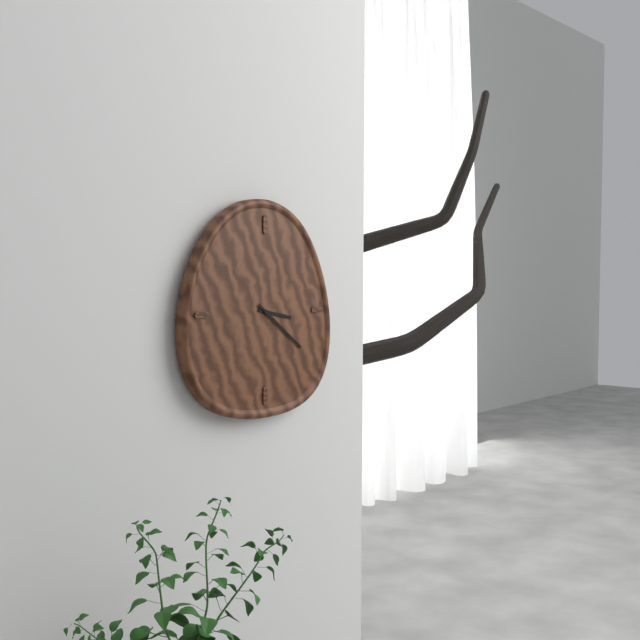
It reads 3h21
